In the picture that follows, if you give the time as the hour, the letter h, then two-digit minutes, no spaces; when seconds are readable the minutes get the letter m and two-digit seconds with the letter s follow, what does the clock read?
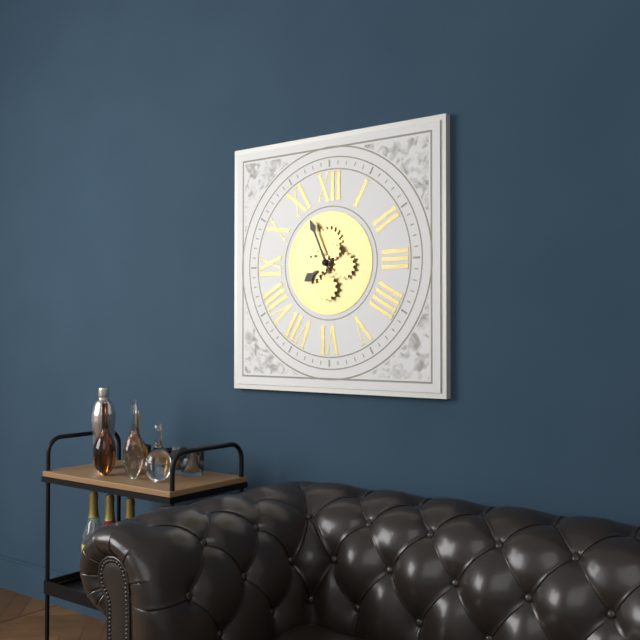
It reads 7h56
